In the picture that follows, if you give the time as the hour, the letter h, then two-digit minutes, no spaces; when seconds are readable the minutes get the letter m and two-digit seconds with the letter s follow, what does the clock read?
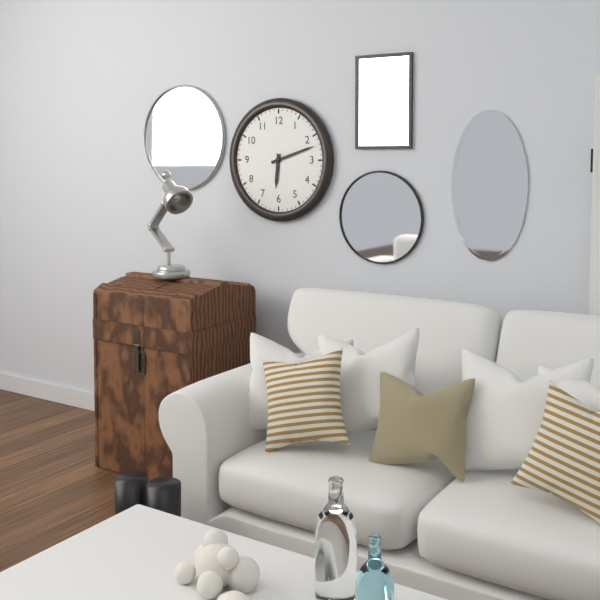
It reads 6h12
